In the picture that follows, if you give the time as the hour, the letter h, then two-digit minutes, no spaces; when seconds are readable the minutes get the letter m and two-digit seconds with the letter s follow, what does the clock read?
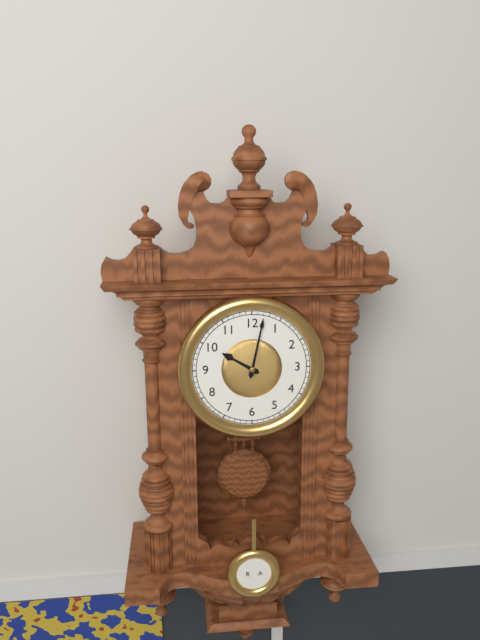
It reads 10h02
